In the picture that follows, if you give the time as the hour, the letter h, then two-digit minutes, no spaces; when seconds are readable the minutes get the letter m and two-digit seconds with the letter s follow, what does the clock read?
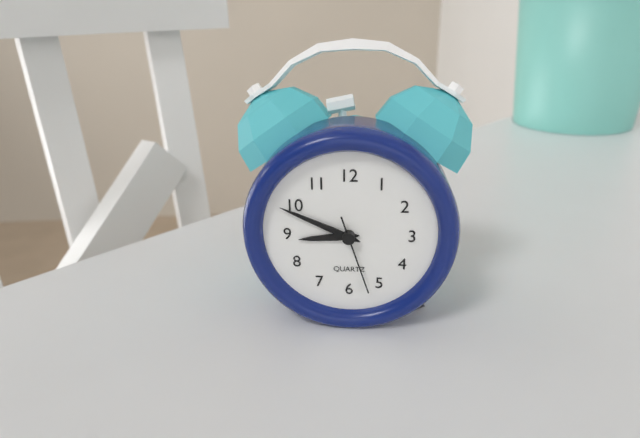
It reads 8h49m27s
